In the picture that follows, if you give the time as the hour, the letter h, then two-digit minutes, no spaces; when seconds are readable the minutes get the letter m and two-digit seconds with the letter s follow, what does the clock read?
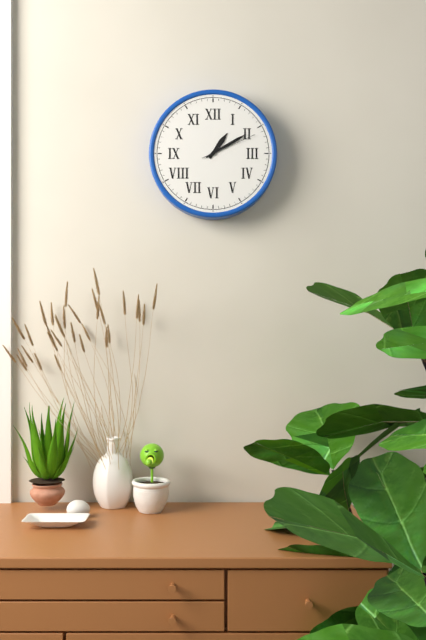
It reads 1h10m11s
